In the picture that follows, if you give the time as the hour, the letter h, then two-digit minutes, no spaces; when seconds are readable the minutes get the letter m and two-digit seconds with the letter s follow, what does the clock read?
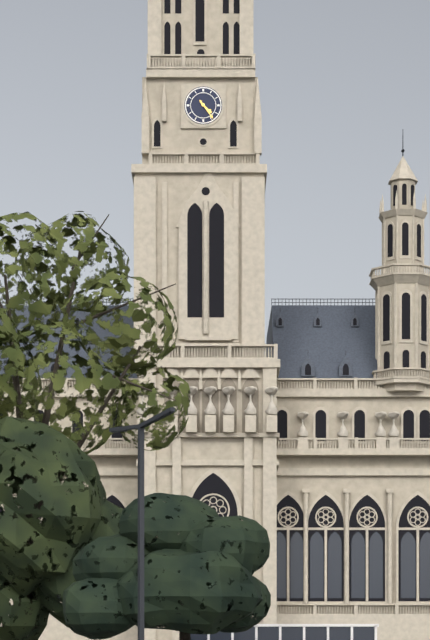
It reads 4h24
